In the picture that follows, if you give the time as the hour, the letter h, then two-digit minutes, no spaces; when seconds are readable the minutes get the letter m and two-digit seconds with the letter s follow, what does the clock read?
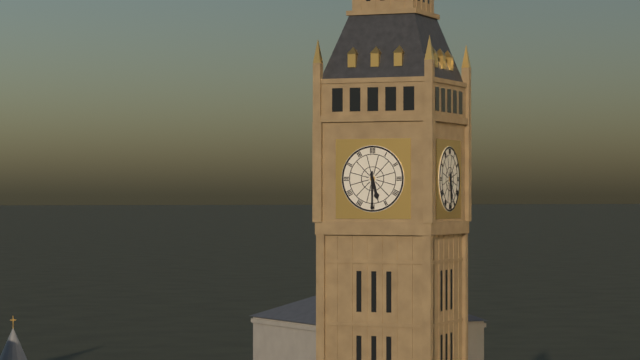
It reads 5h30
